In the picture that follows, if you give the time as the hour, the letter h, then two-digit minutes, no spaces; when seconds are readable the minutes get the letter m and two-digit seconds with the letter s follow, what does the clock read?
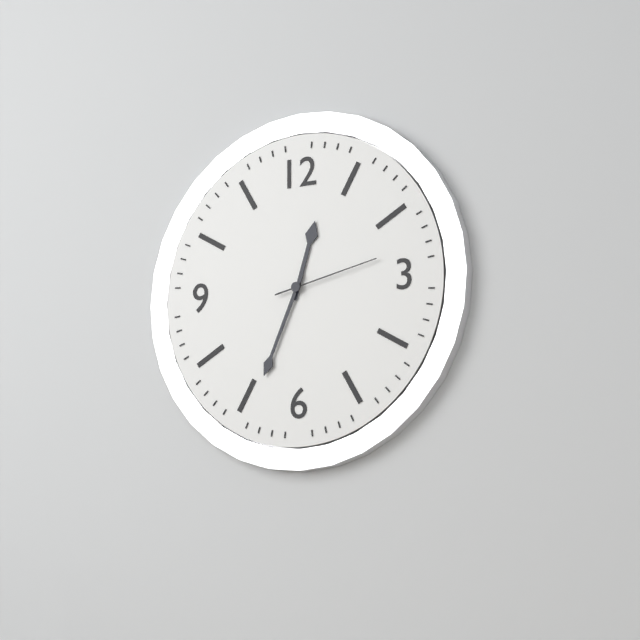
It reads 12h34m13s
